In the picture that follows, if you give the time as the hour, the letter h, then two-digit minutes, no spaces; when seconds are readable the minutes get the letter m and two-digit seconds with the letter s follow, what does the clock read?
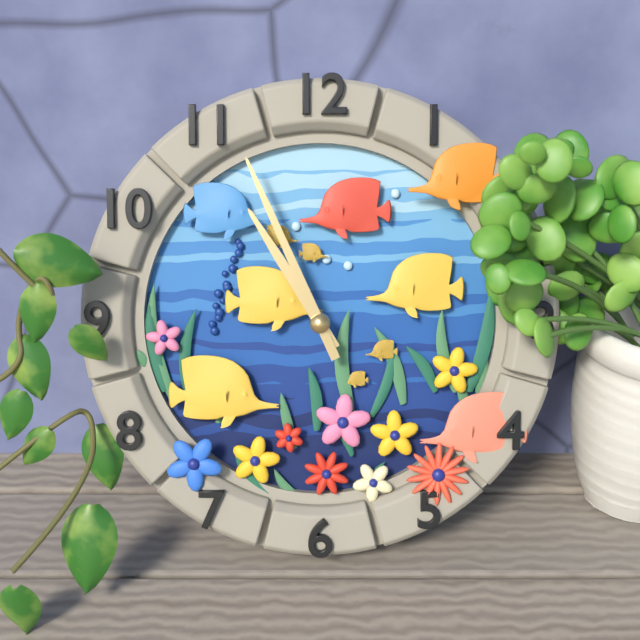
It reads 10h56
